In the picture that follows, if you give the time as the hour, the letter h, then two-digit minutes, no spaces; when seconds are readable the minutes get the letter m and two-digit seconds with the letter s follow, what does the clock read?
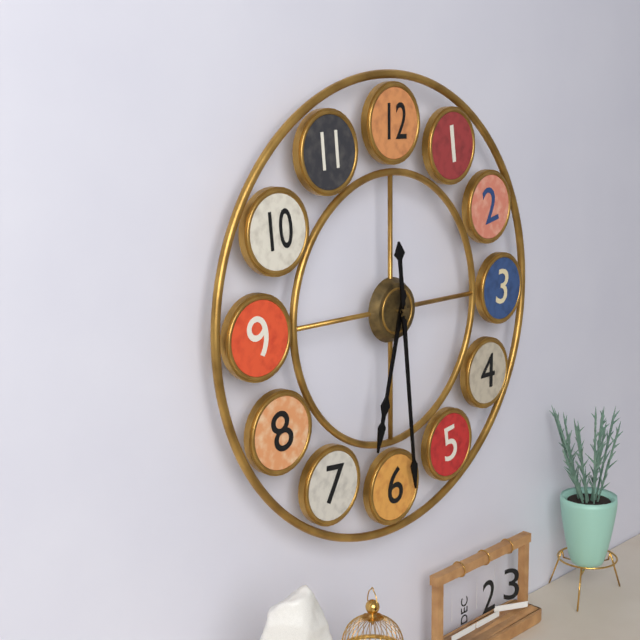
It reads 6h29
